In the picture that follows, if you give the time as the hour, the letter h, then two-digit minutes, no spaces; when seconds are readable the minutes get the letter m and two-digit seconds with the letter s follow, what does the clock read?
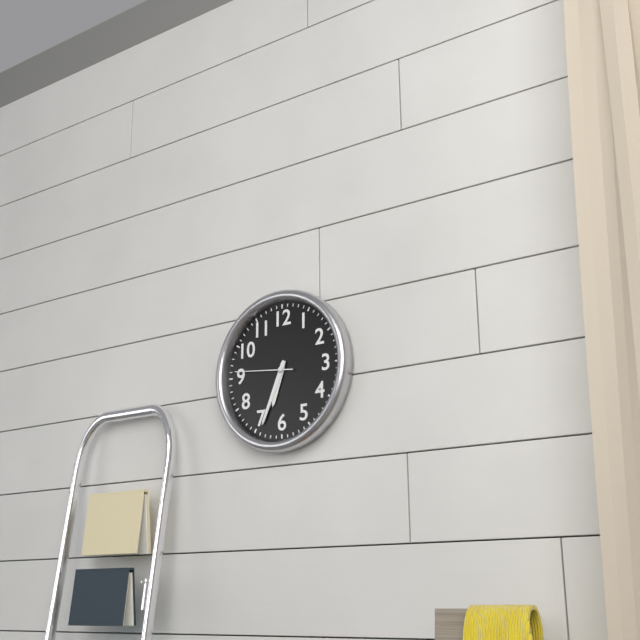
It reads 6h34m46s
